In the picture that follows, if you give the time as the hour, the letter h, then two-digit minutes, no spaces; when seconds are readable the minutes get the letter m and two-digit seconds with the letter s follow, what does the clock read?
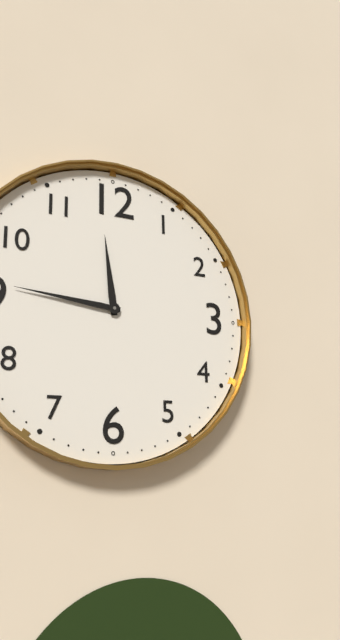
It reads 11h46
